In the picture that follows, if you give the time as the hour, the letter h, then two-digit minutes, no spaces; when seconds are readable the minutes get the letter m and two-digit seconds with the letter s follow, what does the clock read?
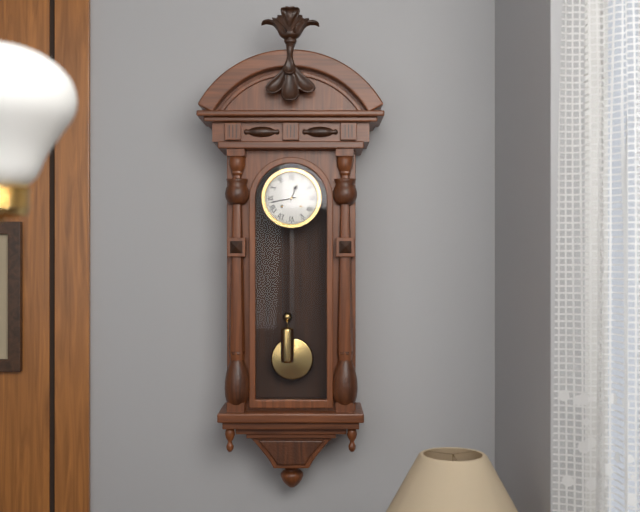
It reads 12h43
